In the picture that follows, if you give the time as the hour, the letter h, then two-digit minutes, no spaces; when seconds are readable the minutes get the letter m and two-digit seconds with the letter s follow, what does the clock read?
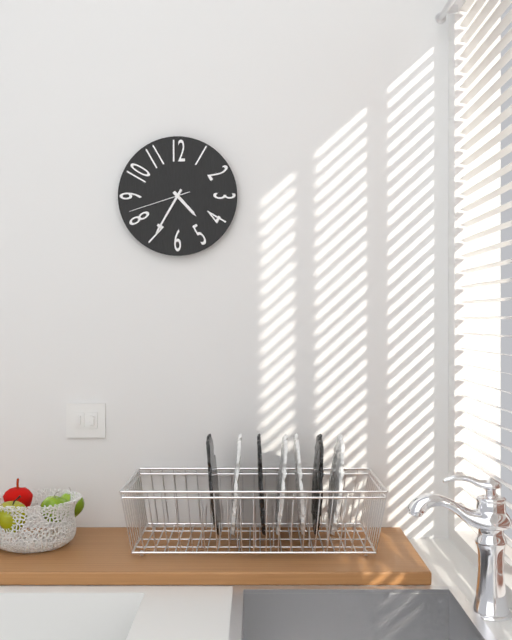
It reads 4h35m42s
